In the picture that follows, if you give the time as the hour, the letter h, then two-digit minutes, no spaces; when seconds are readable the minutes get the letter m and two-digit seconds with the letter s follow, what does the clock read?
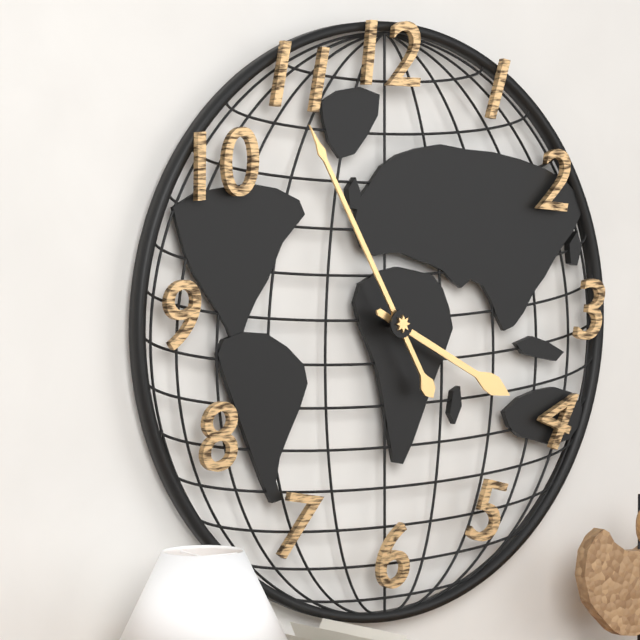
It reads 3h55
